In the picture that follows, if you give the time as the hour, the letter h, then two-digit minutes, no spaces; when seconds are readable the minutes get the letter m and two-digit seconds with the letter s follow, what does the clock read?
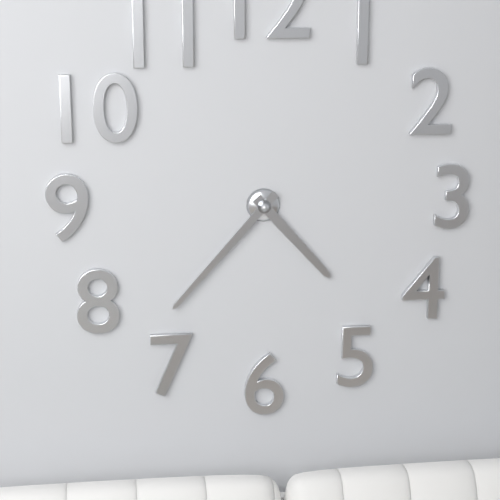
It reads 4h37
